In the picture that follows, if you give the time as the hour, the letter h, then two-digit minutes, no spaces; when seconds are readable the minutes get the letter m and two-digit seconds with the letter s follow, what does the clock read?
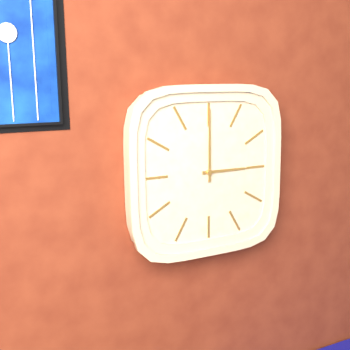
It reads 3h00
